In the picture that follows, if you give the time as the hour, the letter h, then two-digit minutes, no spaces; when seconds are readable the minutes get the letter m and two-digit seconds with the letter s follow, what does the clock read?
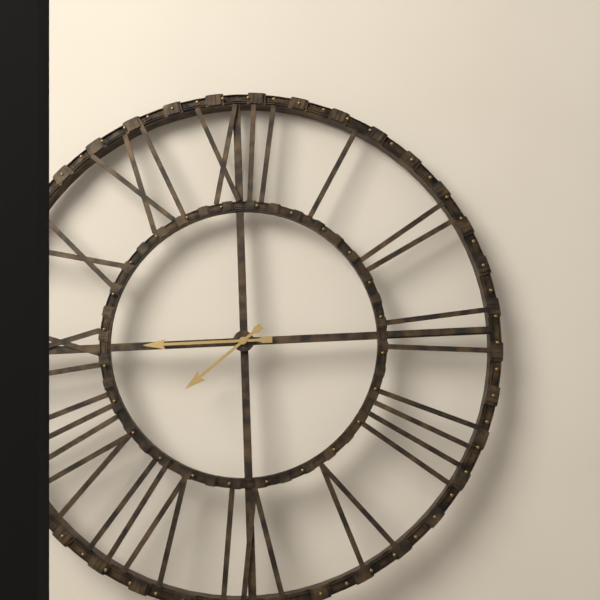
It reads 7h45
